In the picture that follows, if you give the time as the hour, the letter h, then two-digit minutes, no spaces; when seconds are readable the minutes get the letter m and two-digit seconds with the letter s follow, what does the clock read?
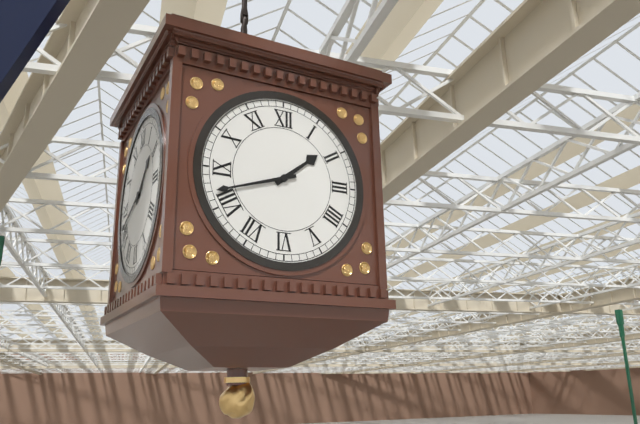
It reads 1h42
